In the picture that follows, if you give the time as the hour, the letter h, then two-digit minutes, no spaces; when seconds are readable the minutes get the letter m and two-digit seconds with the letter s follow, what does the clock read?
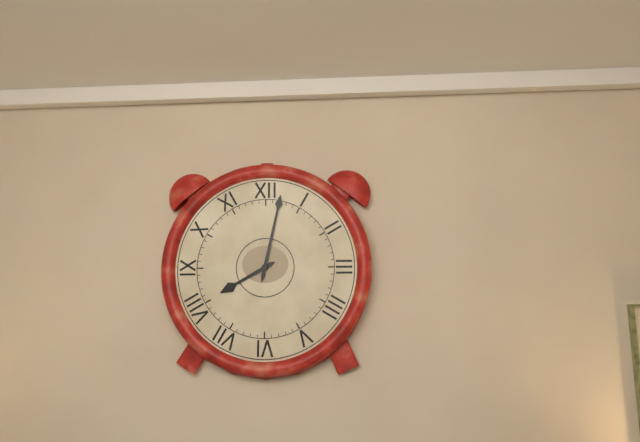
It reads 8h02
